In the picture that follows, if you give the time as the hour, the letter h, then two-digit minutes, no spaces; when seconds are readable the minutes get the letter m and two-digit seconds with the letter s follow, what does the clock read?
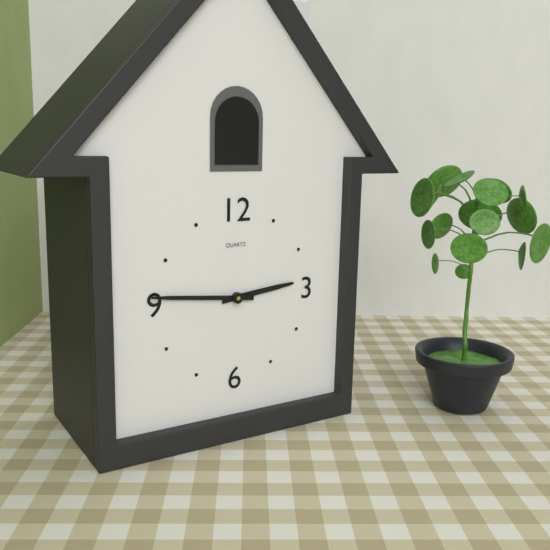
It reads 2h46
